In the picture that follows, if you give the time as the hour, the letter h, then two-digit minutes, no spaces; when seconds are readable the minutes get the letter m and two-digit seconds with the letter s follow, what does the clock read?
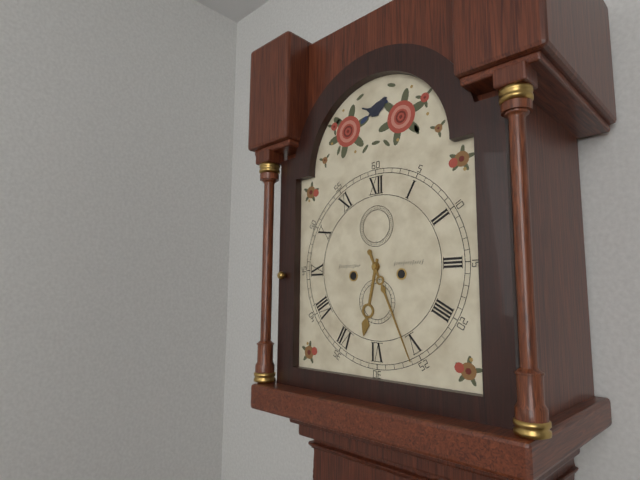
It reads 6h26
